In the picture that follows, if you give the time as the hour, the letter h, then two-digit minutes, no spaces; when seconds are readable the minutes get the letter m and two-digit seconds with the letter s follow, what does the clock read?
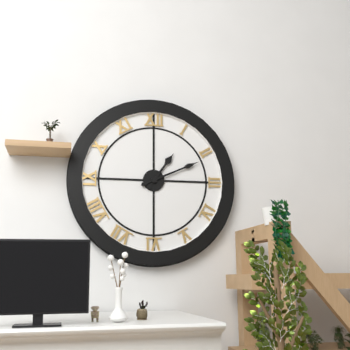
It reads 1h11
